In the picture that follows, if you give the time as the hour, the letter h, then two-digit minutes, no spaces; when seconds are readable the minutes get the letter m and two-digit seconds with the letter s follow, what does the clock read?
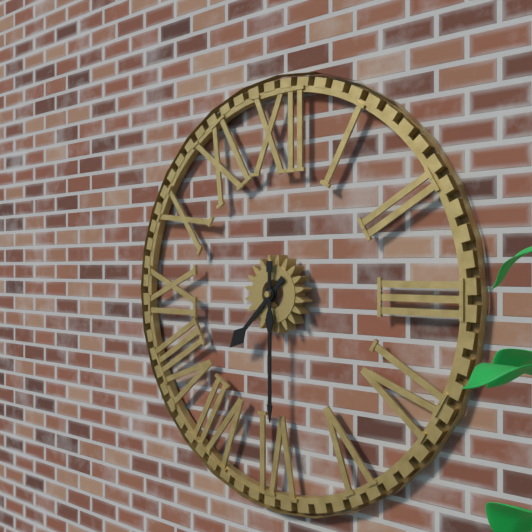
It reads 7h30
